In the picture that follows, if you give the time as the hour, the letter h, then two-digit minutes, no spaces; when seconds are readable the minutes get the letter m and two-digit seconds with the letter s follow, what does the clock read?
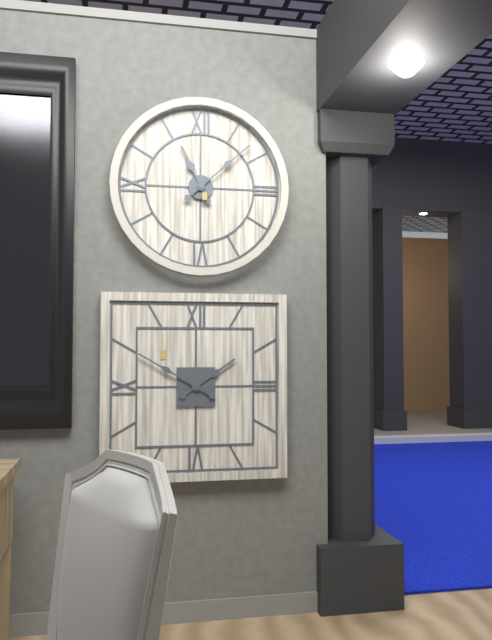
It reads 11h08
